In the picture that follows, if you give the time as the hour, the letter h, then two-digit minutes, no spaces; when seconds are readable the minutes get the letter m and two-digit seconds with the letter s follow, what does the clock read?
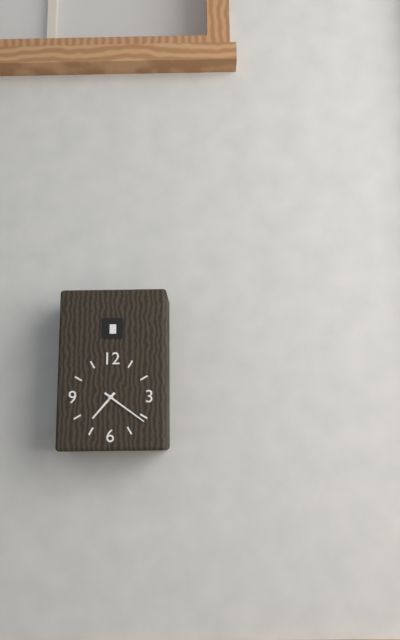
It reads 7h21
